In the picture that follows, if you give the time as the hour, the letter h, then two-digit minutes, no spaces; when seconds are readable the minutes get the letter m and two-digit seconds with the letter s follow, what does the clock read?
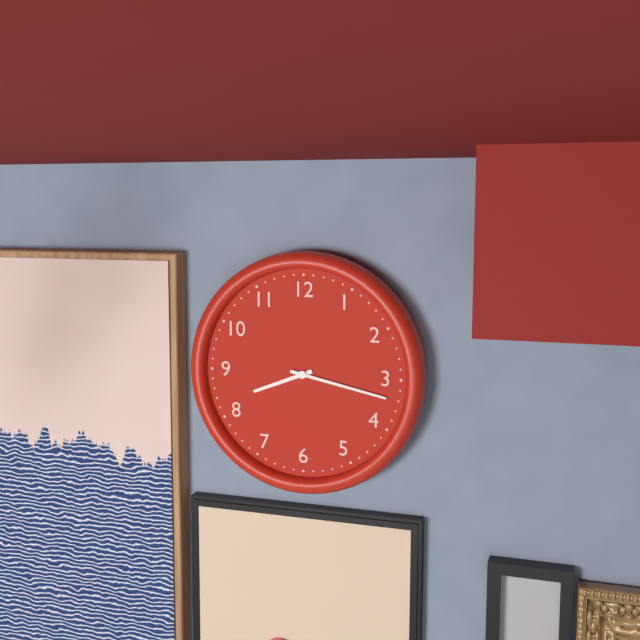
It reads 8h17
